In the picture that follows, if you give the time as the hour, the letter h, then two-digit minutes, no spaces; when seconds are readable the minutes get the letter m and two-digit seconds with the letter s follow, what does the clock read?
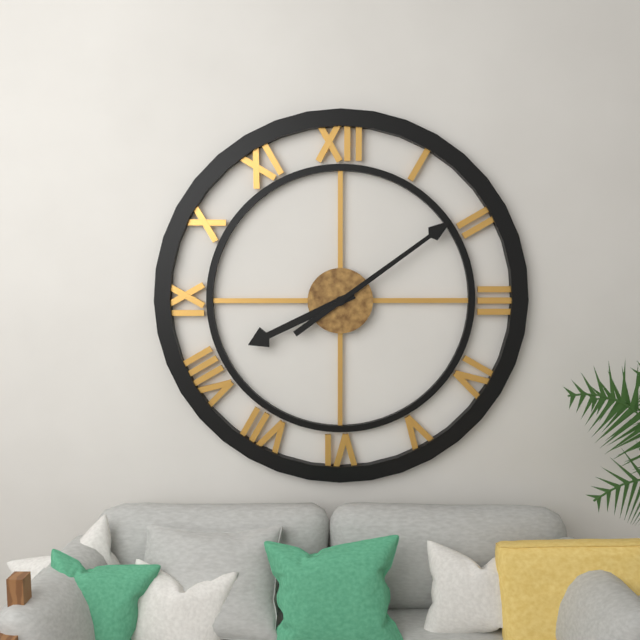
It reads 8h09
